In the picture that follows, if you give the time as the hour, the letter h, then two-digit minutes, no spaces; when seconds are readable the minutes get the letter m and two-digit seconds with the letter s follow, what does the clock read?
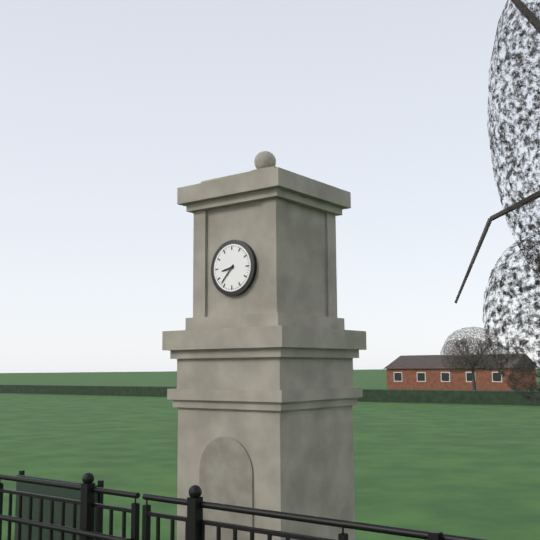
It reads 8h37
